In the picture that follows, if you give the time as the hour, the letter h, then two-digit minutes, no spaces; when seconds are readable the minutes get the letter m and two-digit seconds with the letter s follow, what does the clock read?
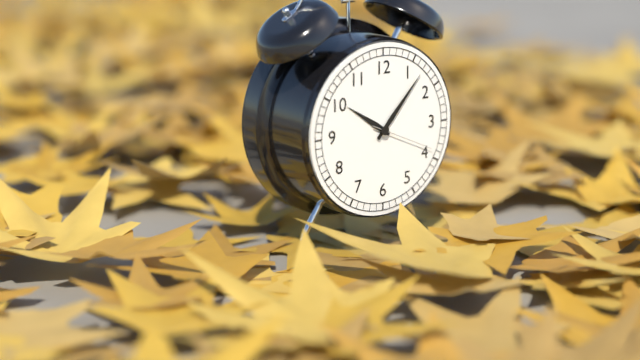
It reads 10h07m19s
